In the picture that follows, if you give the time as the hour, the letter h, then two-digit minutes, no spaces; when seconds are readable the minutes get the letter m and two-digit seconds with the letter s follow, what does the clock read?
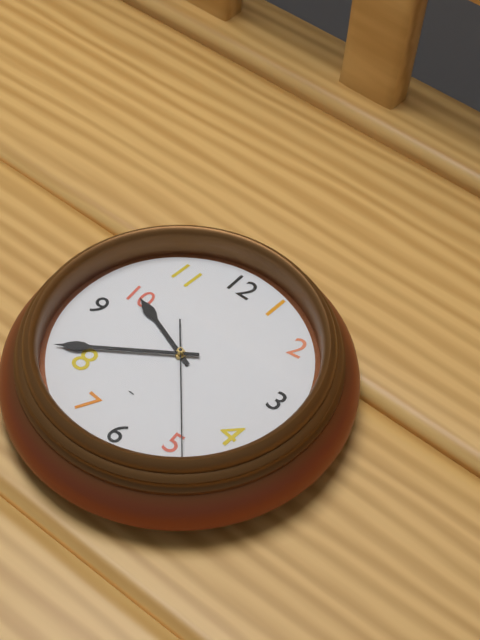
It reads 9h39m23s
